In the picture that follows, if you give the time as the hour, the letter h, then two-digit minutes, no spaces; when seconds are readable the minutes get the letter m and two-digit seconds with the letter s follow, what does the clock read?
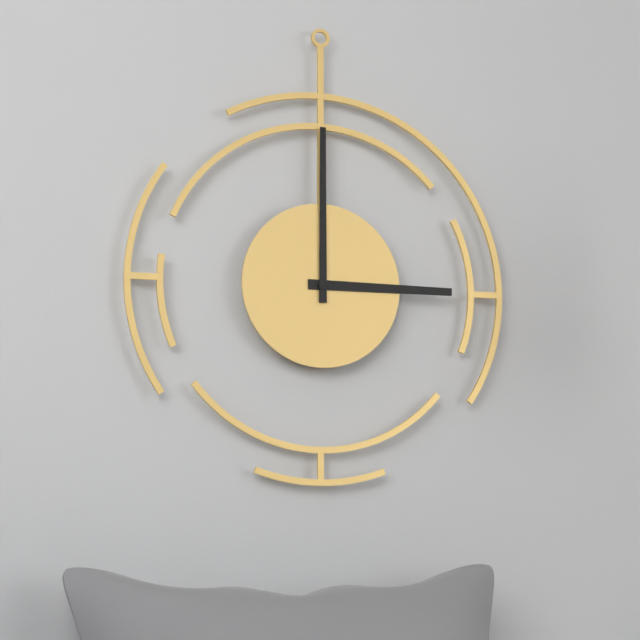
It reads 3h00
